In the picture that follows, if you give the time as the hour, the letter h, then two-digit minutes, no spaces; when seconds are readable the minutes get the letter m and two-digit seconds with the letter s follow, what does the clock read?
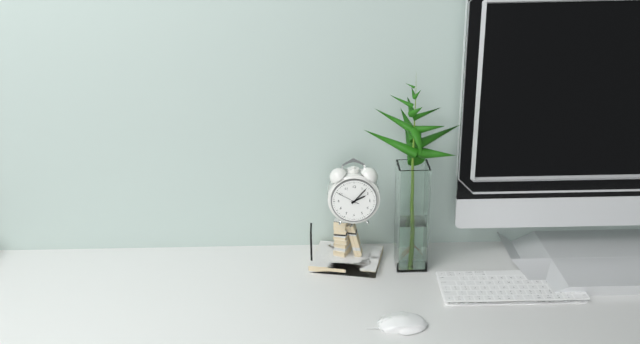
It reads 2h07
